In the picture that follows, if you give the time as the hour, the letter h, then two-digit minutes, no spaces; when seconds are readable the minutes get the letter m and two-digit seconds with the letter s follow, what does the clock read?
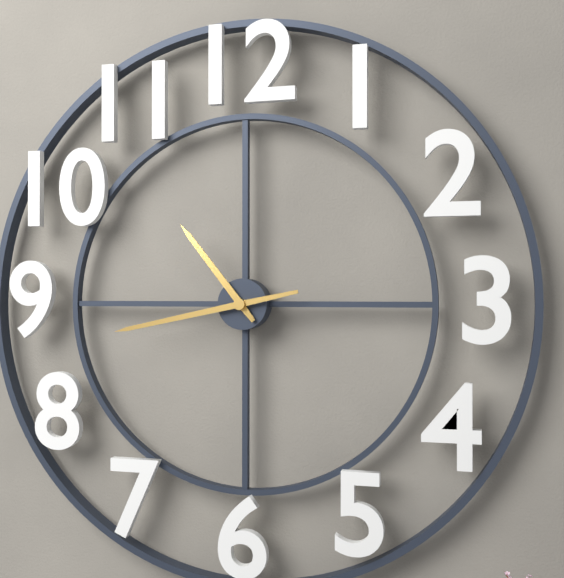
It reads 10h43
